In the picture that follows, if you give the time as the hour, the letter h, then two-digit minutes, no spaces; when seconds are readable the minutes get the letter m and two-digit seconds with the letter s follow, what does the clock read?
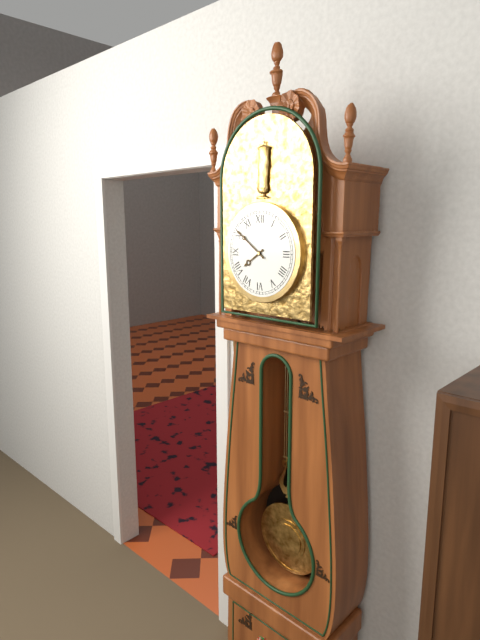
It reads 7h51
